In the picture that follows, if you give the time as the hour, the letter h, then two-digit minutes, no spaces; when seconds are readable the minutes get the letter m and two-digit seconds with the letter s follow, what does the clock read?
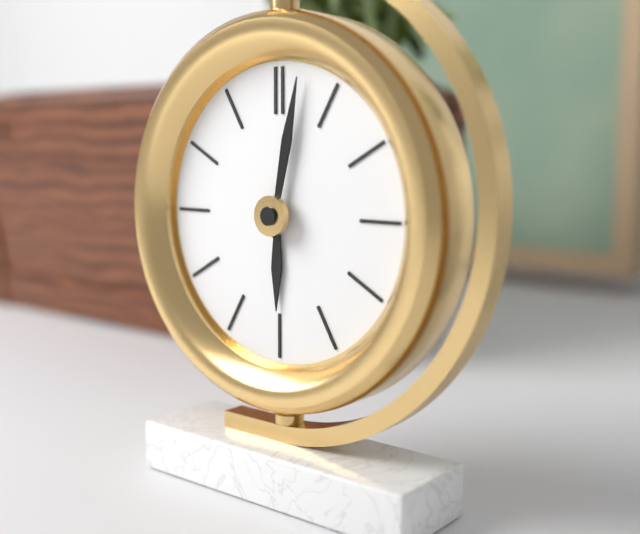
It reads 6h02
